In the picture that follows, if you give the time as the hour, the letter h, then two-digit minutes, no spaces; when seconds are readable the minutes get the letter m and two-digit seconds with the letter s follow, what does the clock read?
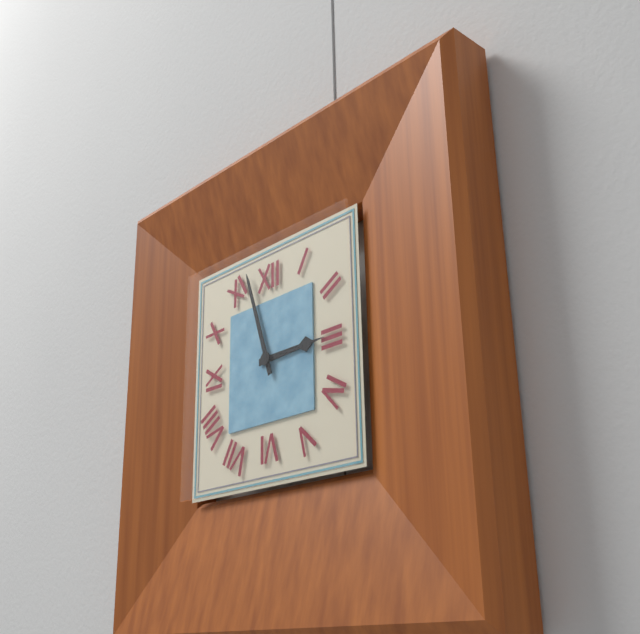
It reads 2h57
